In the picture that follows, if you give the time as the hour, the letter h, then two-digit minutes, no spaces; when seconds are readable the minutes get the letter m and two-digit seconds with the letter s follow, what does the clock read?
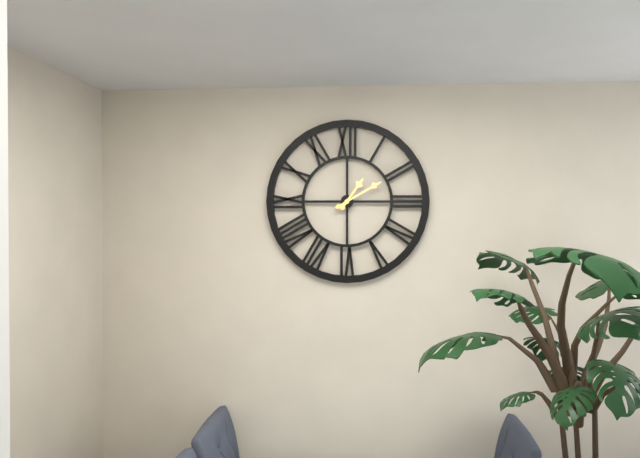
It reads 1h10
